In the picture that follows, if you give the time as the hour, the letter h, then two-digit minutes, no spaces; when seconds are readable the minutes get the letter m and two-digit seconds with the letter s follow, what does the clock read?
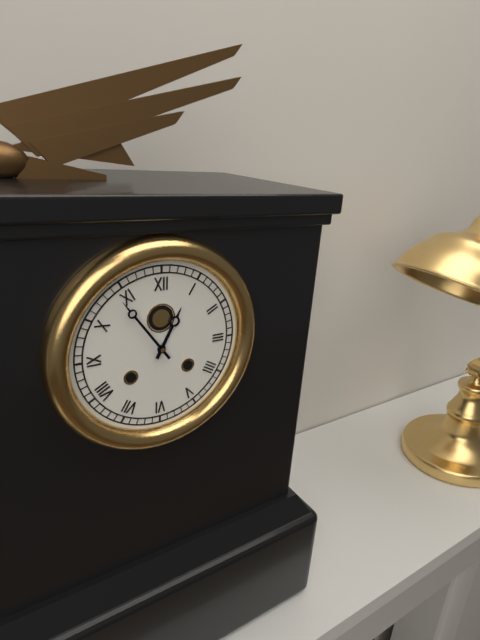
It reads 12h54
